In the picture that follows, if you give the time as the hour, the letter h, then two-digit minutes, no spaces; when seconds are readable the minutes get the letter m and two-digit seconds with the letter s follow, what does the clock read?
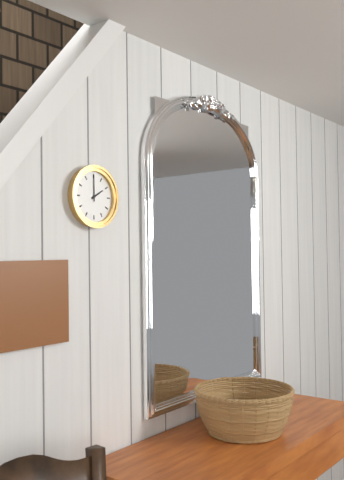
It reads 2h00
